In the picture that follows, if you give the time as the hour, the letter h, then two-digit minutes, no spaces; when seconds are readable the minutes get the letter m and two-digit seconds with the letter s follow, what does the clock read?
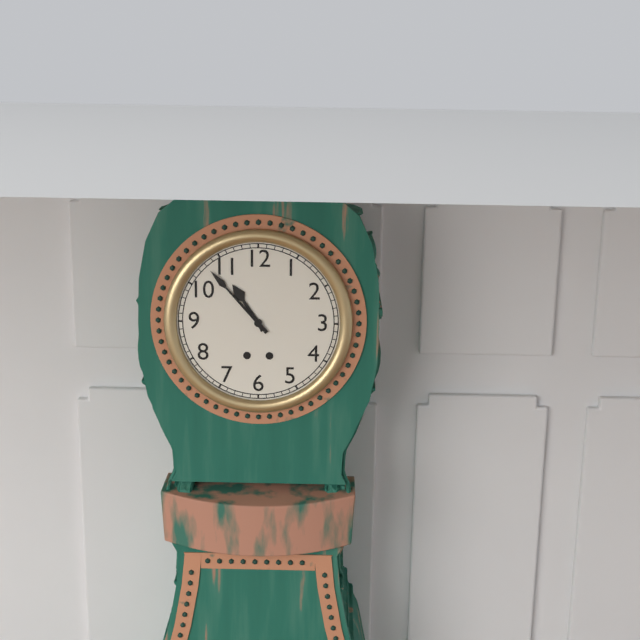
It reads 10h53
